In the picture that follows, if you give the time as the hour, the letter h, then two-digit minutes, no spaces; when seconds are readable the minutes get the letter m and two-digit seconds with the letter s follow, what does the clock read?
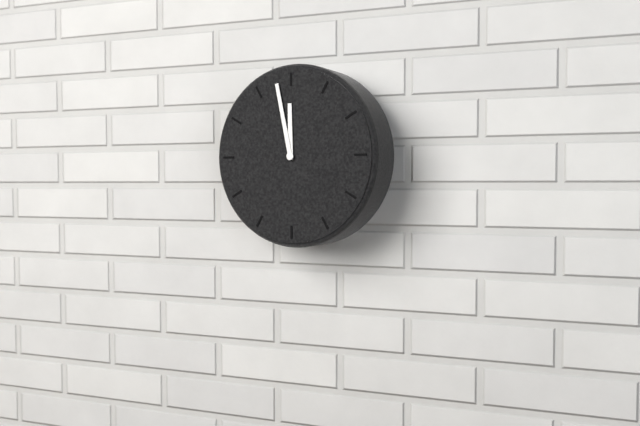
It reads 11h58
